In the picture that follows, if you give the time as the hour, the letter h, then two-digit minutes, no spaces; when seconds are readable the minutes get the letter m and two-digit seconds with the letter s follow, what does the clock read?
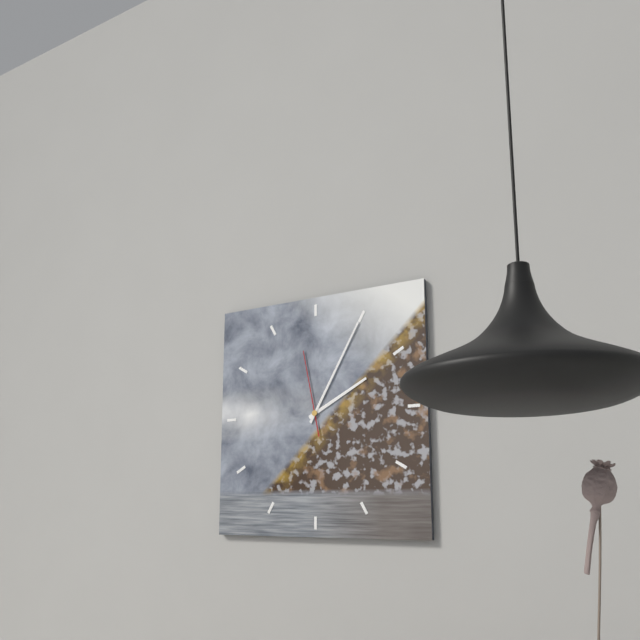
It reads 2h05m58s
